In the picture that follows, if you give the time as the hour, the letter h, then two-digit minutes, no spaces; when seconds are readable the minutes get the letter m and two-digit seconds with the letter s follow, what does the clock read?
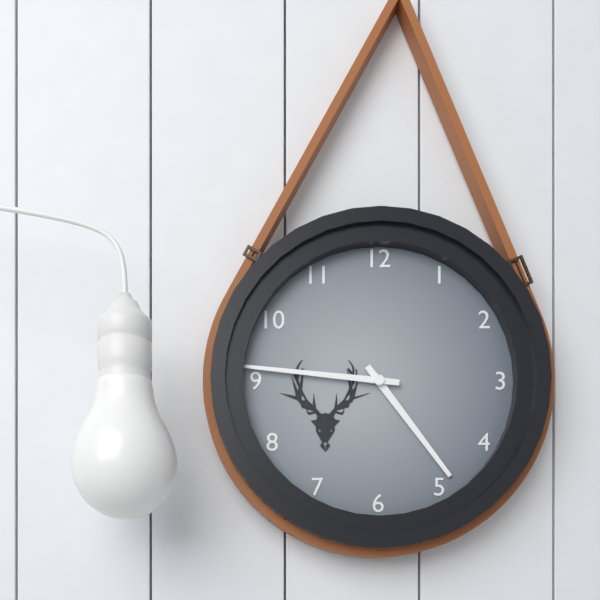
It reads 4h46
